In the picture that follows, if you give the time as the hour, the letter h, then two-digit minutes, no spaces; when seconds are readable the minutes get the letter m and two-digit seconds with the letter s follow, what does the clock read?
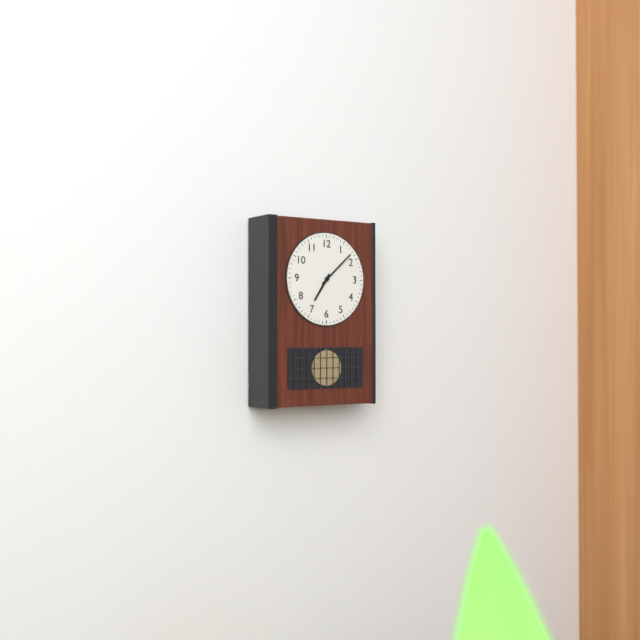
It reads 7h08
